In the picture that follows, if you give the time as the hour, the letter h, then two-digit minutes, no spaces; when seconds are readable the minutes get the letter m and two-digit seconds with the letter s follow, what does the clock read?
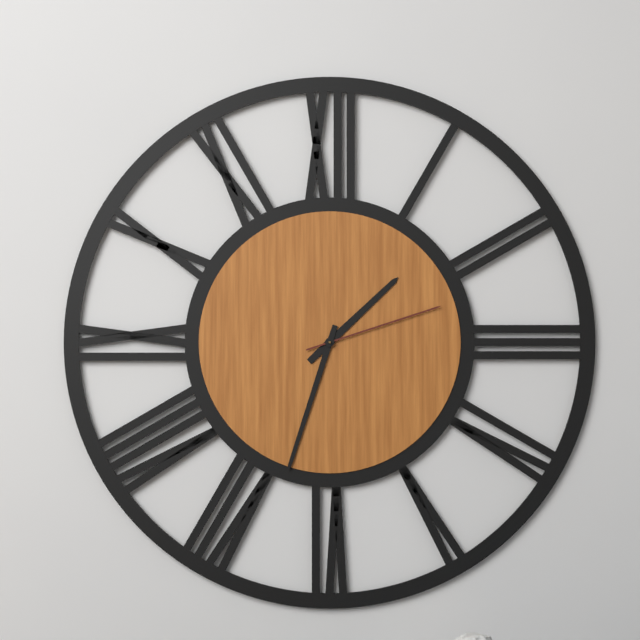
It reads 1h33m12s
